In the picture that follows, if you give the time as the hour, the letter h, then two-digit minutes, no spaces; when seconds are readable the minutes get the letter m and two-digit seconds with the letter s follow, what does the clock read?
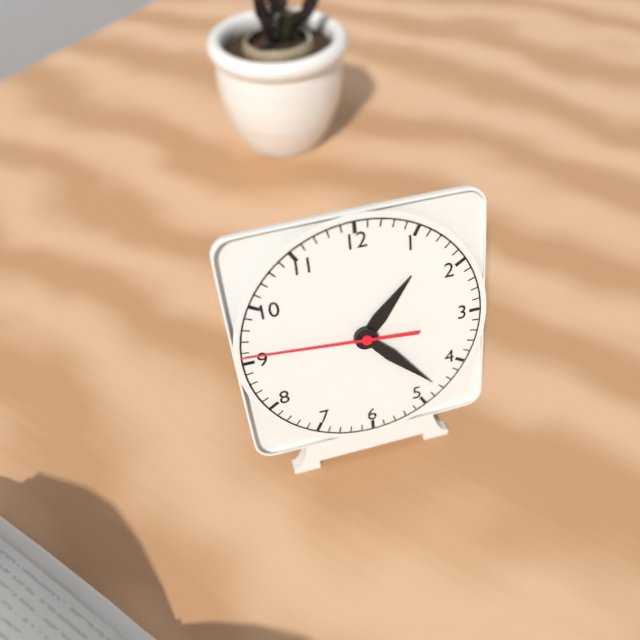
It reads 1h23m46s
